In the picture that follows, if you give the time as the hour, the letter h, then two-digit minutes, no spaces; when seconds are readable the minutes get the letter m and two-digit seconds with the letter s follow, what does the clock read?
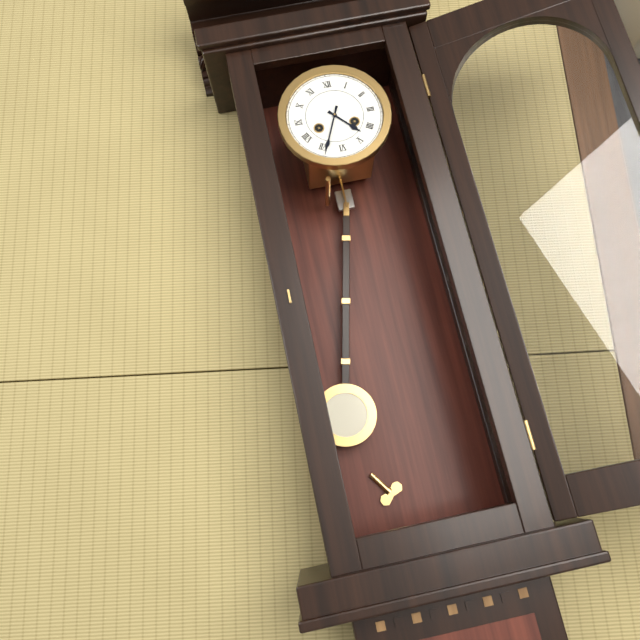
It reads 4h34
